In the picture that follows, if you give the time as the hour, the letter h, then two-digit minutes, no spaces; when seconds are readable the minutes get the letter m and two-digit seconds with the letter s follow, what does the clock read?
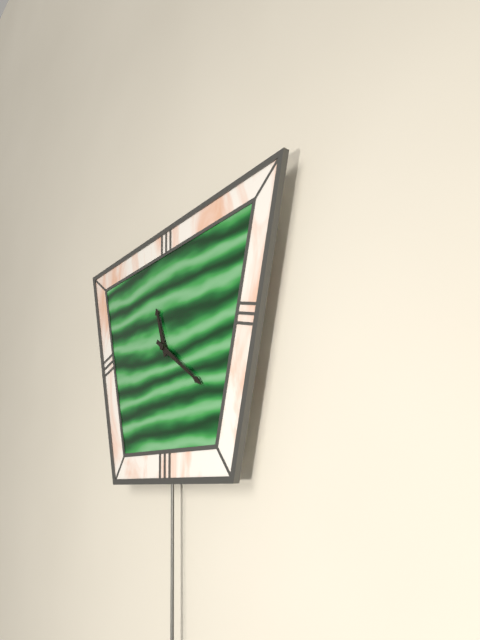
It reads 11h21
